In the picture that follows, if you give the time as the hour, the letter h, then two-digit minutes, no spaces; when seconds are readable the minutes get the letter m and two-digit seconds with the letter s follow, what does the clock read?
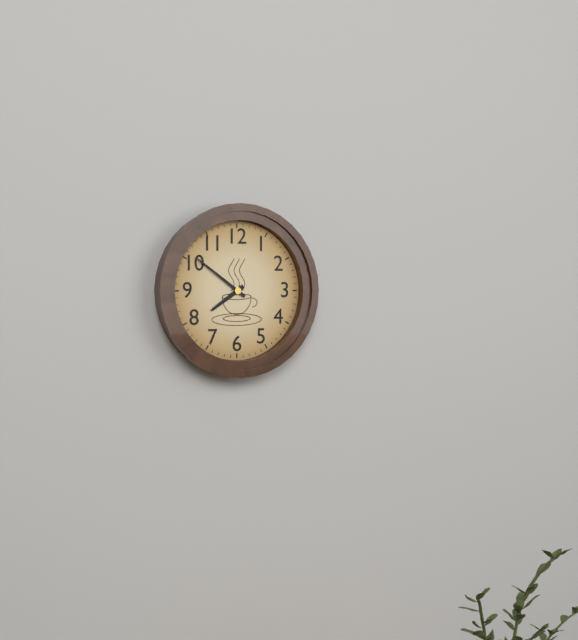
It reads 7h51
